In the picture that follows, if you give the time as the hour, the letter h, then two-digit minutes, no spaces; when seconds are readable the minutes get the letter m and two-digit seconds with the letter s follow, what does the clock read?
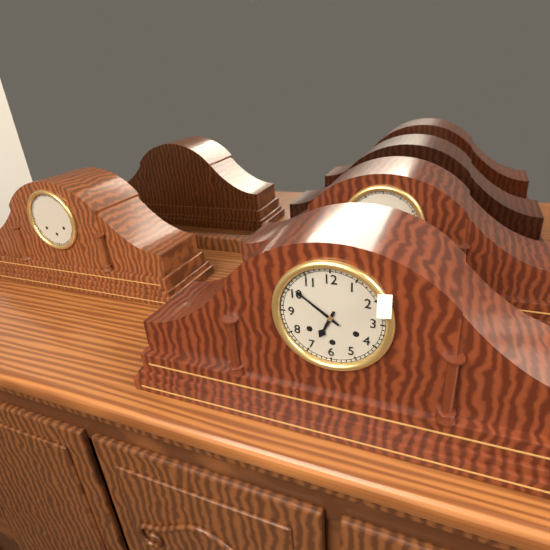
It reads 6h51
